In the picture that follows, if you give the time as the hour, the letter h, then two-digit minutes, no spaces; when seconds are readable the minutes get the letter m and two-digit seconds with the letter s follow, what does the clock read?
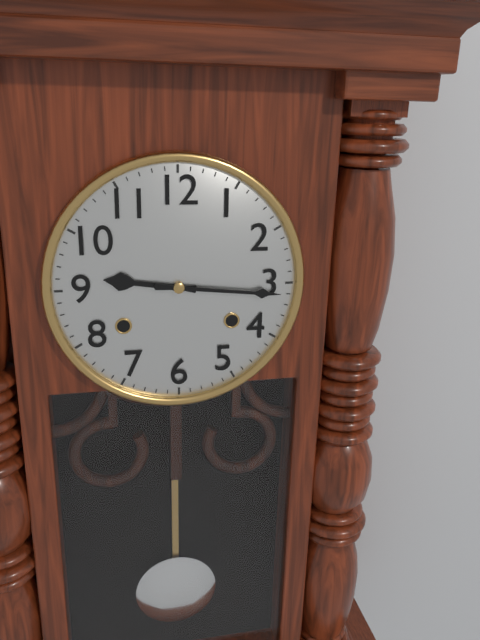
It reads 9h16
